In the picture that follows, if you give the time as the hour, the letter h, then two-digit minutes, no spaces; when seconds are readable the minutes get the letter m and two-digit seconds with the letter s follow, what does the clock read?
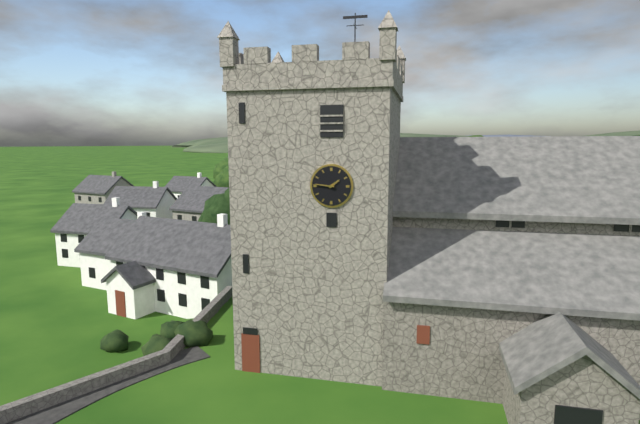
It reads 1h46
